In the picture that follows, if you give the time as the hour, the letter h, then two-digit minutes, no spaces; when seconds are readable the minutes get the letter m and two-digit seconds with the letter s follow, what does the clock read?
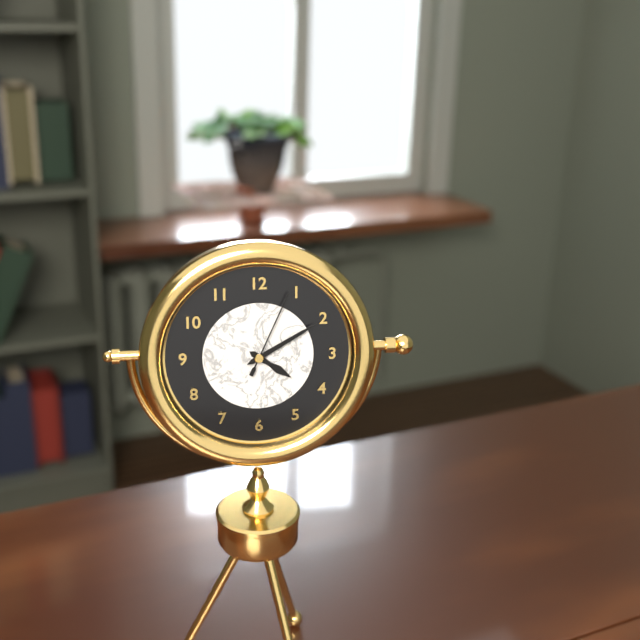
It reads 4h10m04s
